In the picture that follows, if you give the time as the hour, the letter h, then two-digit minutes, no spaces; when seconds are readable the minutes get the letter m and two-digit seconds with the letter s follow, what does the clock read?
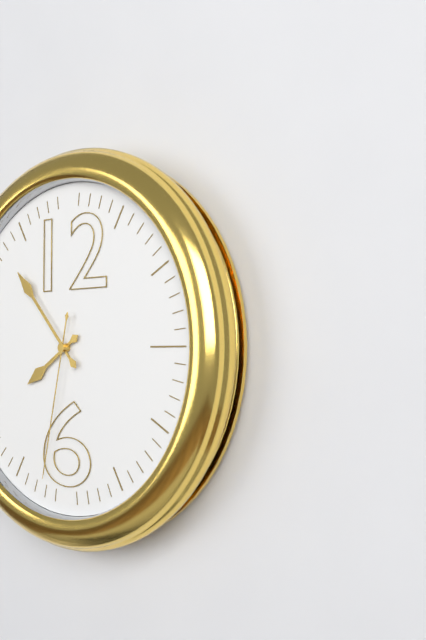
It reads 7h53m32s
